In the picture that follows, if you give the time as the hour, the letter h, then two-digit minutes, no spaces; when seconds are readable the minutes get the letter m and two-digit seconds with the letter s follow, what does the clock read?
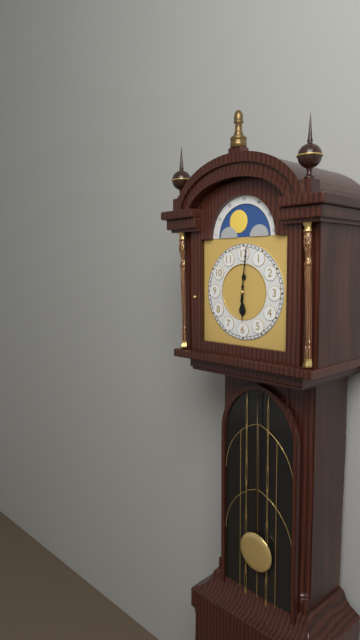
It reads 6h01
